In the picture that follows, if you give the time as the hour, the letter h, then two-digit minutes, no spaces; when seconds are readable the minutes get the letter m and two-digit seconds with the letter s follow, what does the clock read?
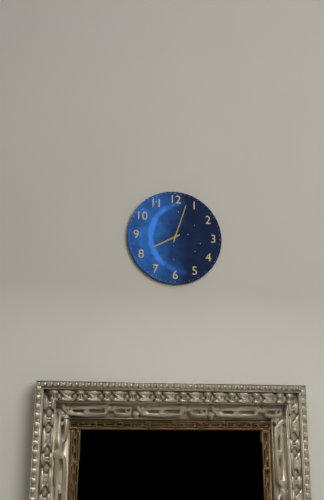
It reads 8h03
